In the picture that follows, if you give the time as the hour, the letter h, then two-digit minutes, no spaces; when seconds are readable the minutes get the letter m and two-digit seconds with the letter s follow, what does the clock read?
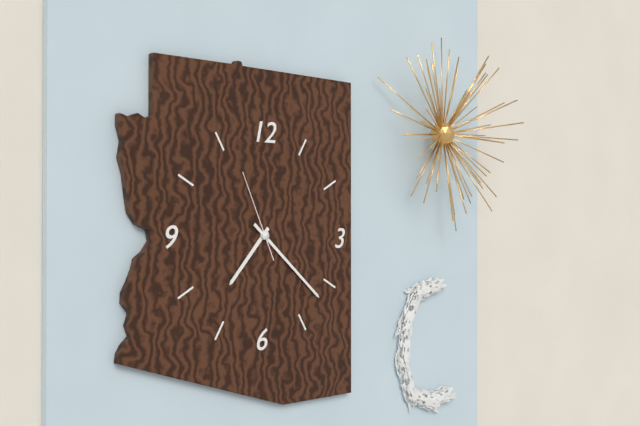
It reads 7h22m56s
